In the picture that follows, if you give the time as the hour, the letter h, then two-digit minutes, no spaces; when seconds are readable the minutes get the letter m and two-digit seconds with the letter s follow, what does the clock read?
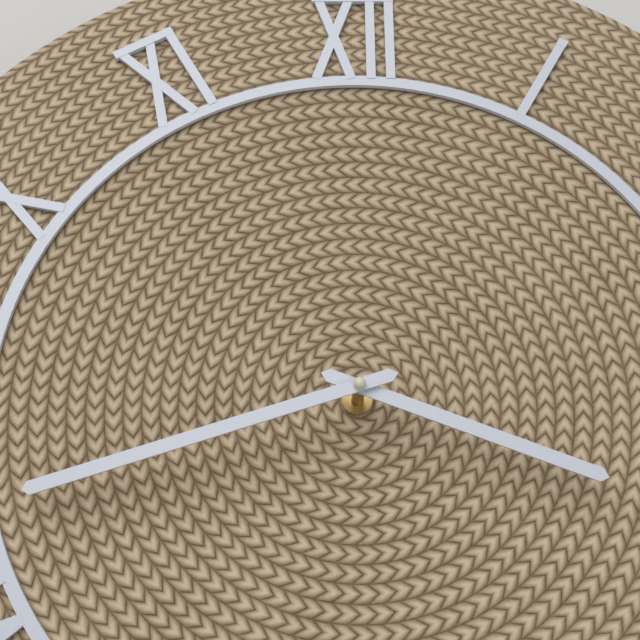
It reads 3h42
